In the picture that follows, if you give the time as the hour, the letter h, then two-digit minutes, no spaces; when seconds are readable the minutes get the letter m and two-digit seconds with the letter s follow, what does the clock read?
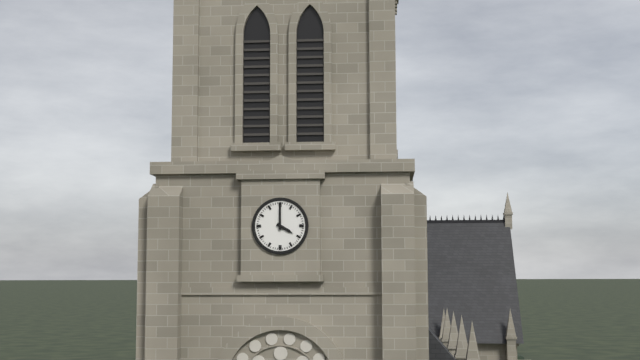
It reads 4h00
